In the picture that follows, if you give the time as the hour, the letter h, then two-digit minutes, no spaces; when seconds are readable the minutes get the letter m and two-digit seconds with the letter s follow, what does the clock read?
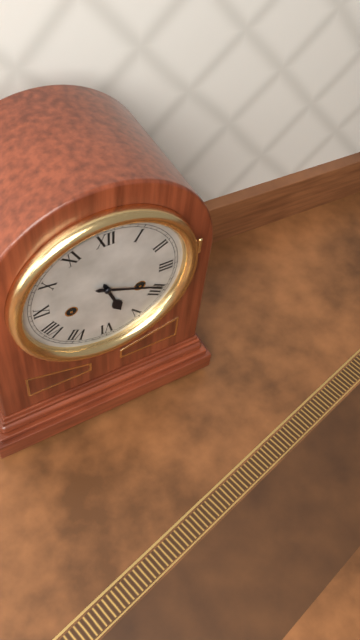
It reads 5h19
